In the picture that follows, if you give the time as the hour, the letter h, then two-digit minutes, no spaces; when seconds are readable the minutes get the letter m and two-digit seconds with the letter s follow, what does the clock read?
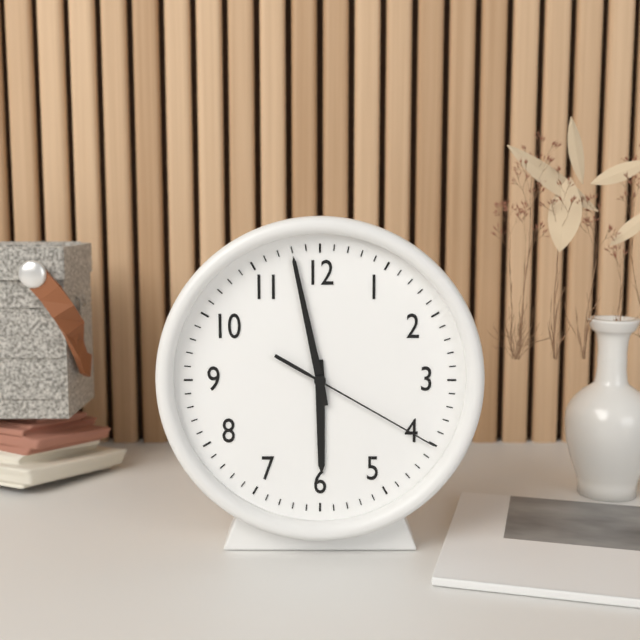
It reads 5h58m20s
